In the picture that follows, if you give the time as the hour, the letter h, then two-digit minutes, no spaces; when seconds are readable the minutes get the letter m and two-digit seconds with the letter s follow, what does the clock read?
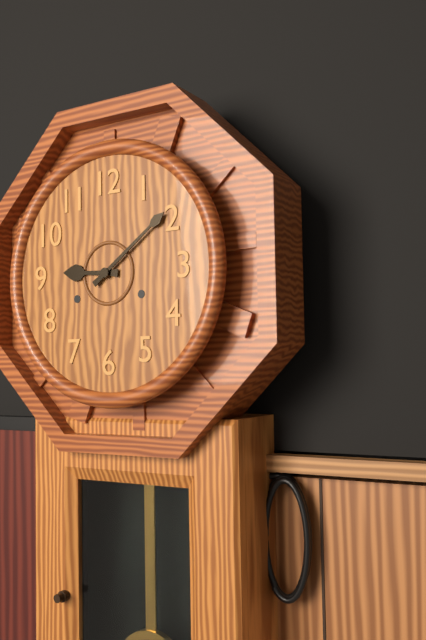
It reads 9h09
